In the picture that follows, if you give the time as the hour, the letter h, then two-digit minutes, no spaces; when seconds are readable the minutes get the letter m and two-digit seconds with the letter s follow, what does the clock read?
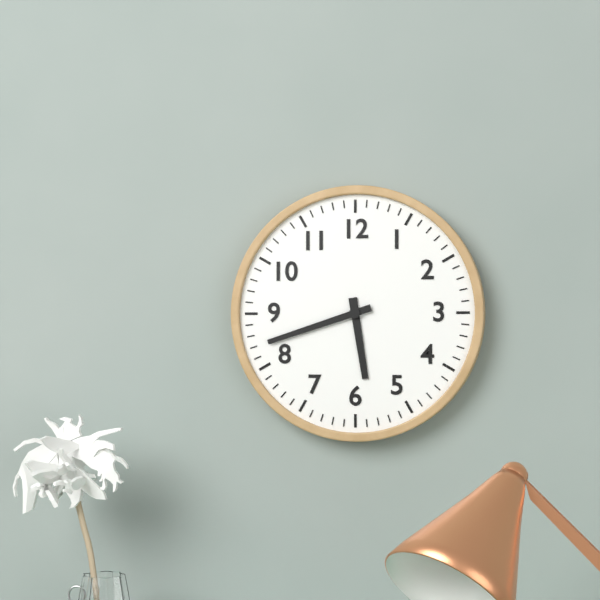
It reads 5h42
